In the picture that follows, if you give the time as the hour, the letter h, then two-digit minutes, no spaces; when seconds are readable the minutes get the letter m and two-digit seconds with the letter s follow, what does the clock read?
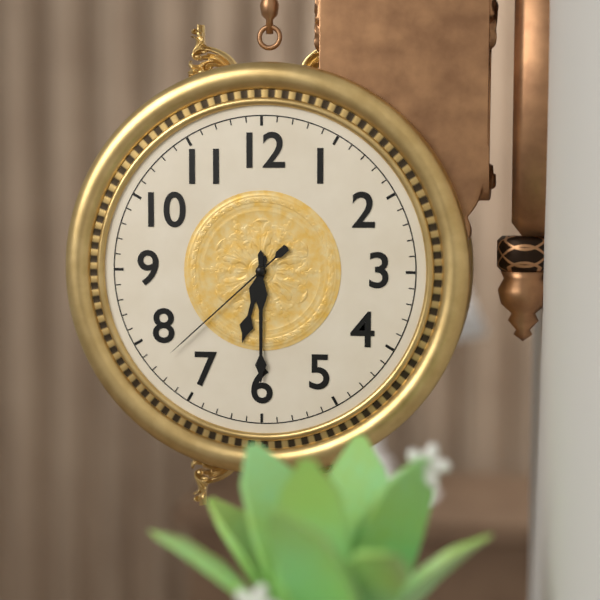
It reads 6h30m38s
